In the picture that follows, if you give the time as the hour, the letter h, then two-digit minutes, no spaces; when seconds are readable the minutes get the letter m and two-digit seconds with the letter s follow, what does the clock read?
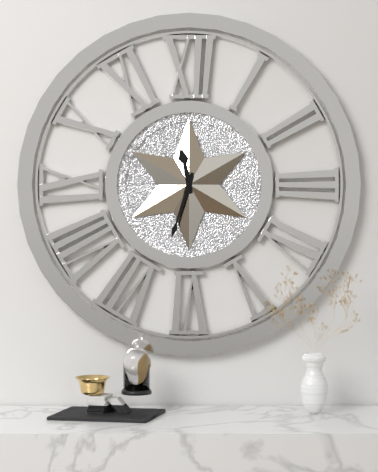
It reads 11h33
